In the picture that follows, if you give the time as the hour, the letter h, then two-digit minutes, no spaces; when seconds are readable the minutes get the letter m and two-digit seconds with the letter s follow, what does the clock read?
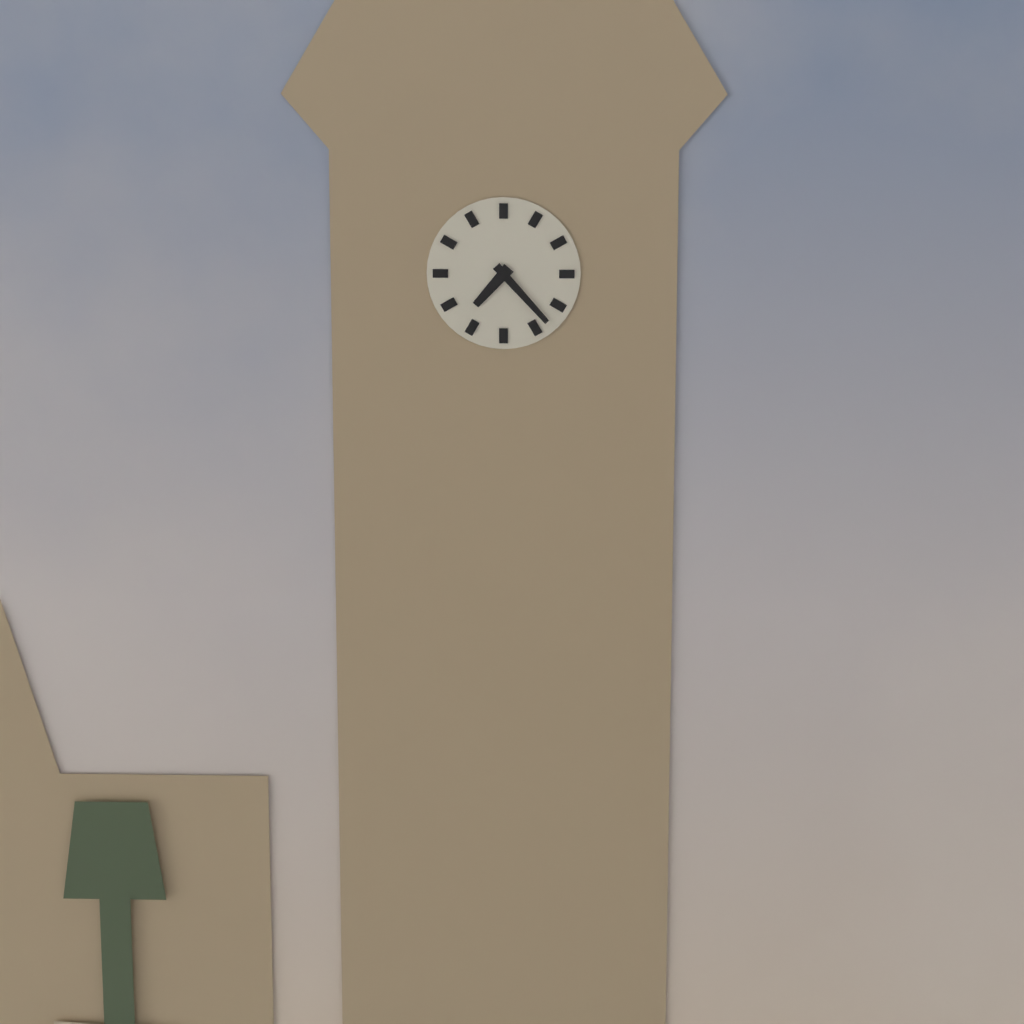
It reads 7h23
